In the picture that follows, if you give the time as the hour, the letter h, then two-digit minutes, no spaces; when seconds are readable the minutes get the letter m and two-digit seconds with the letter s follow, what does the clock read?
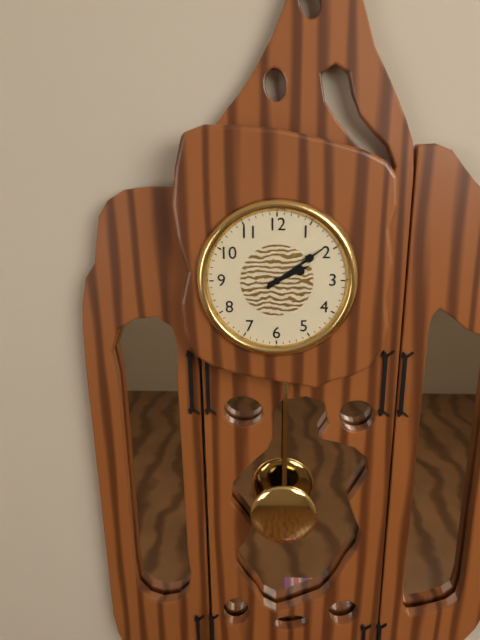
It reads 2h09
